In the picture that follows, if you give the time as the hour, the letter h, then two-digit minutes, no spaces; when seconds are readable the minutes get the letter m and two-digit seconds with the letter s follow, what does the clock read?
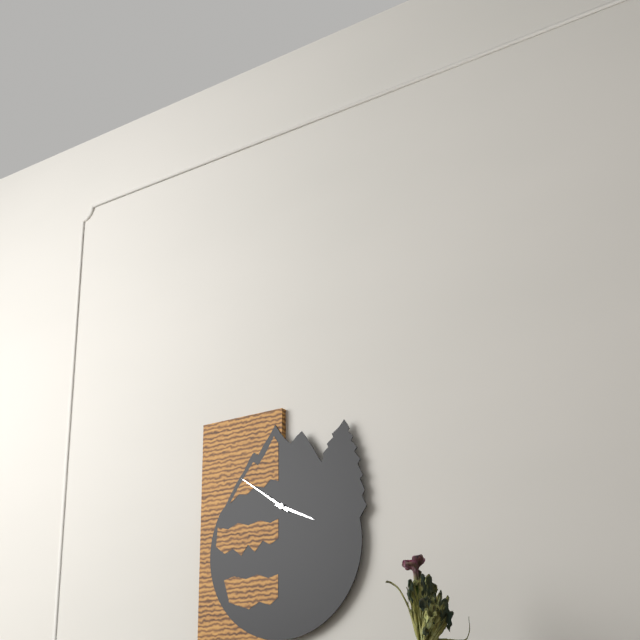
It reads 3h51
